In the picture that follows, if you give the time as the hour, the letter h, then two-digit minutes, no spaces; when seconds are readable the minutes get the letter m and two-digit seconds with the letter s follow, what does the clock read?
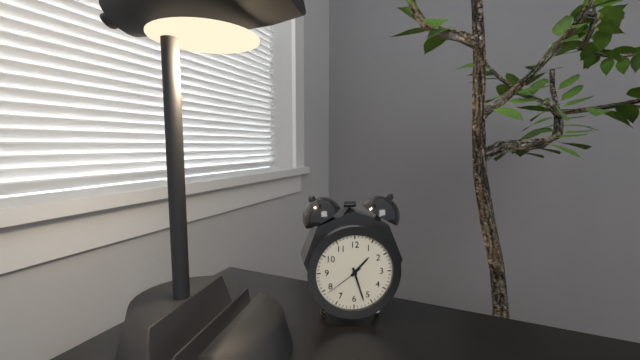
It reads 1h27
